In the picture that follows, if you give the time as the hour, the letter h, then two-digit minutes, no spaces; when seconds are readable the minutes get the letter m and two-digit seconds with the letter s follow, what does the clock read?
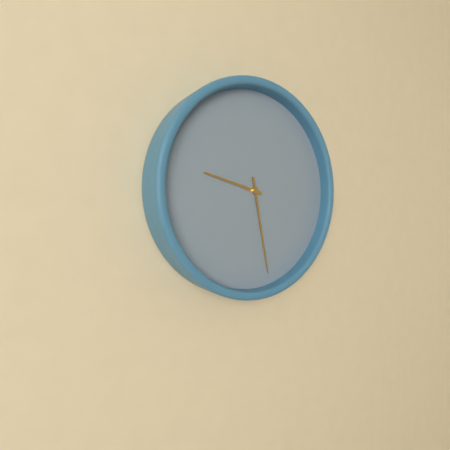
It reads 9h28
